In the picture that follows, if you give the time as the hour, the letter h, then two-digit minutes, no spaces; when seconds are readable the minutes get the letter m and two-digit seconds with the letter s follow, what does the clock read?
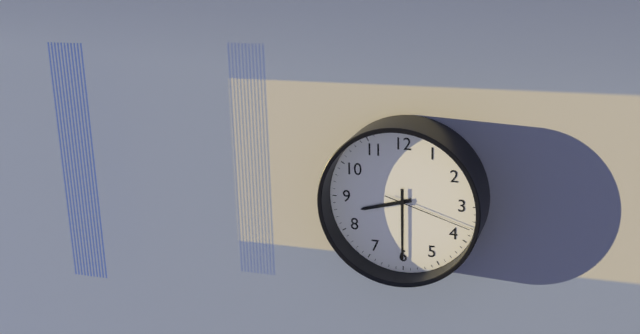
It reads 8h30m18s
